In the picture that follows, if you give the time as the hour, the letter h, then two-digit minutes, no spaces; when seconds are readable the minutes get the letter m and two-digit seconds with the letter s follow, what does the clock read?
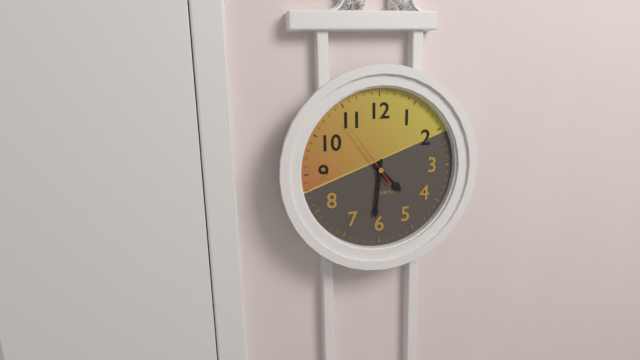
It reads 4h31m54s
